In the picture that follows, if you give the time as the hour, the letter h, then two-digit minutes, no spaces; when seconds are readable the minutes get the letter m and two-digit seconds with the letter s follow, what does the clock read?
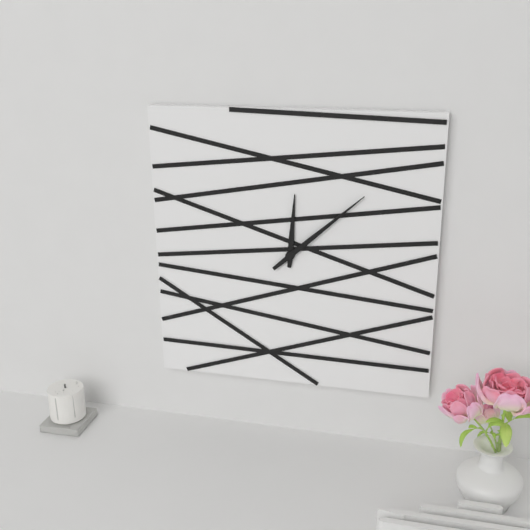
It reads 12h08
